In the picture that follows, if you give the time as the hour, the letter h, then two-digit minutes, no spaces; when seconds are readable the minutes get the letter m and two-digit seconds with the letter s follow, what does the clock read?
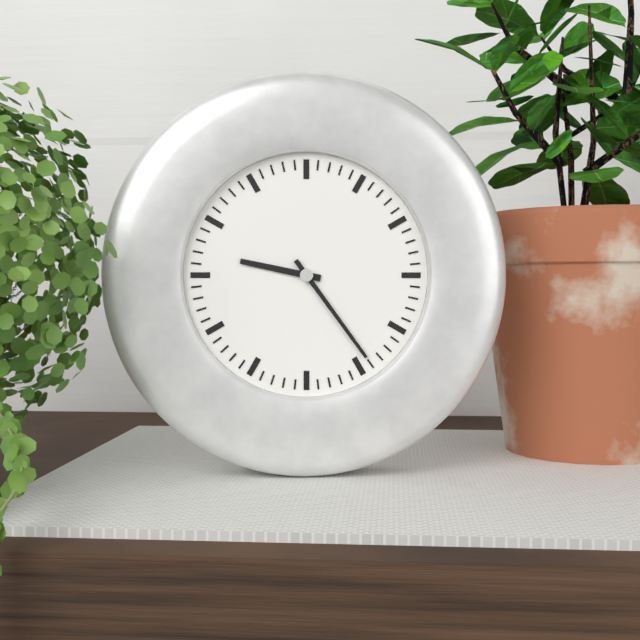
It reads 9h24
